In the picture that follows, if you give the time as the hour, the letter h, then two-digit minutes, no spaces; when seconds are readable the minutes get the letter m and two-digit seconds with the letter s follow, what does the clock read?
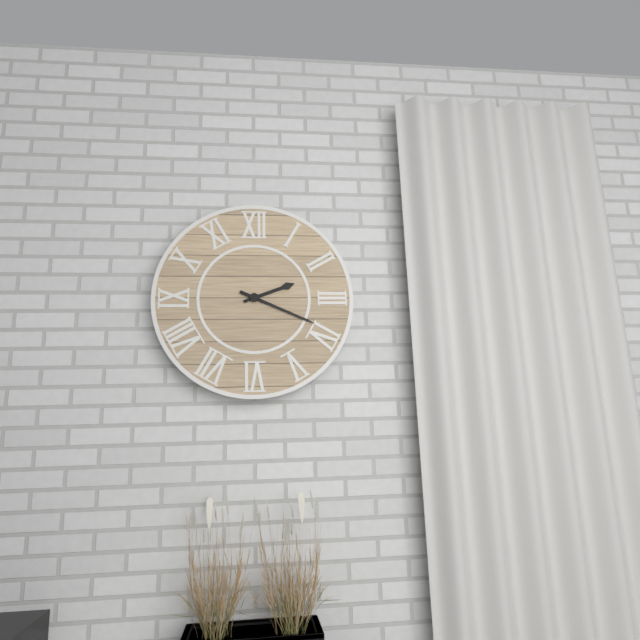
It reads 2h19
